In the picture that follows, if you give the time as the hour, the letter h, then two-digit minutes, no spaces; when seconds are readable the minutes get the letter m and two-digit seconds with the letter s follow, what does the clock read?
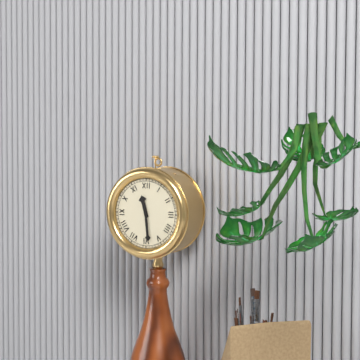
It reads 11h29
